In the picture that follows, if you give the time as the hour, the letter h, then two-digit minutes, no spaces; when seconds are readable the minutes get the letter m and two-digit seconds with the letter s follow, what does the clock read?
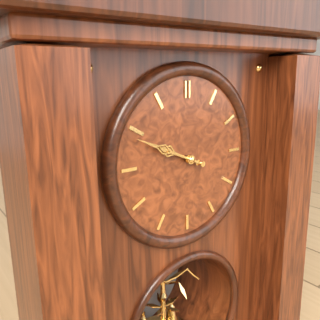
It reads 9h49
